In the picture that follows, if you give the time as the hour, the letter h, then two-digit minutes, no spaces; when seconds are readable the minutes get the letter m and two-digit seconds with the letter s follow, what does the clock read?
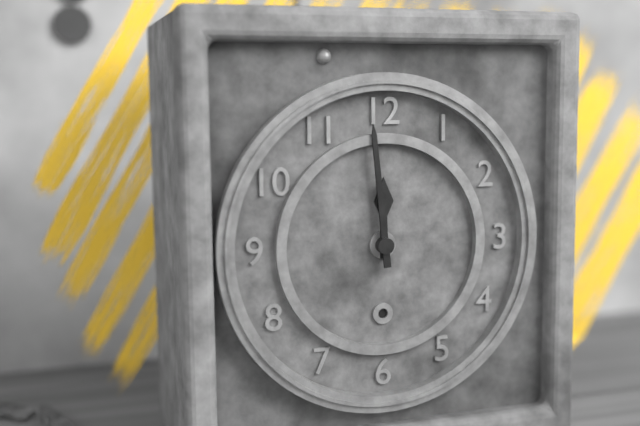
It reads 11h59
